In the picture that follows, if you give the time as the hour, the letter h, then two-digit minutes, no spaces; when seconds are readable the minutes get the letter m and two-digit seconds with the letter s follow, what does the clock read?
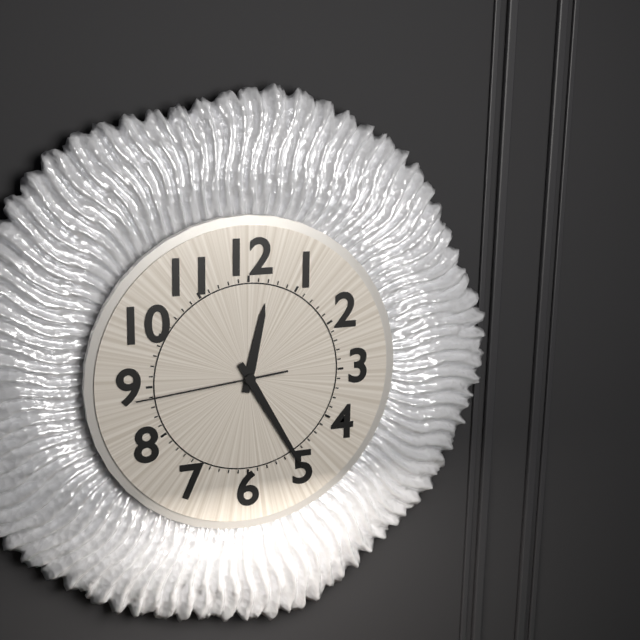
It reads 12h25m44s
